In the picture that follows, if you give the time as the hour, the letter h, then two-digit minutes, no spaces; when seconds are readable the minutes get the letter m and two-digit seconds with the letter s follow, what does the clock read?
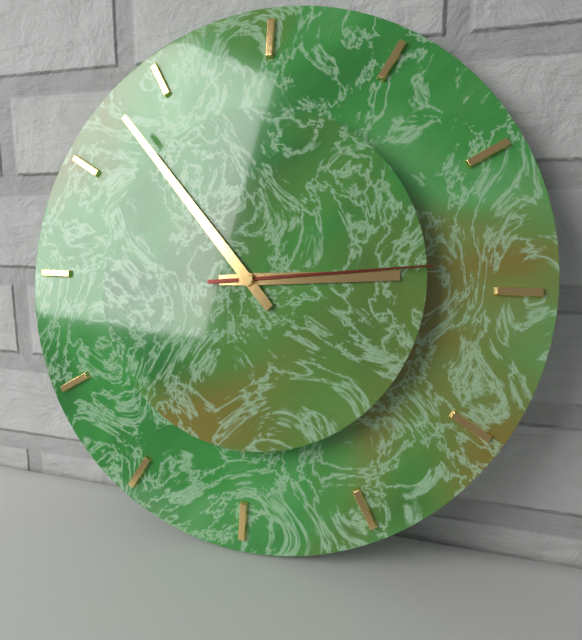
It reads 2h53m14s
